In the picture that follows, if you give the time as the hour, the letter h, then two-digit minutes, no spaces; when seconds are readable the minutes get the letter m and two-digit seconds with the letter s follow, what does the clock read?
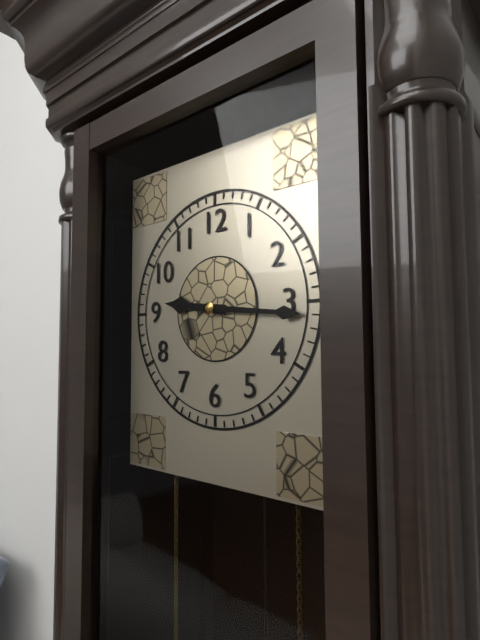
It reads 9h16
